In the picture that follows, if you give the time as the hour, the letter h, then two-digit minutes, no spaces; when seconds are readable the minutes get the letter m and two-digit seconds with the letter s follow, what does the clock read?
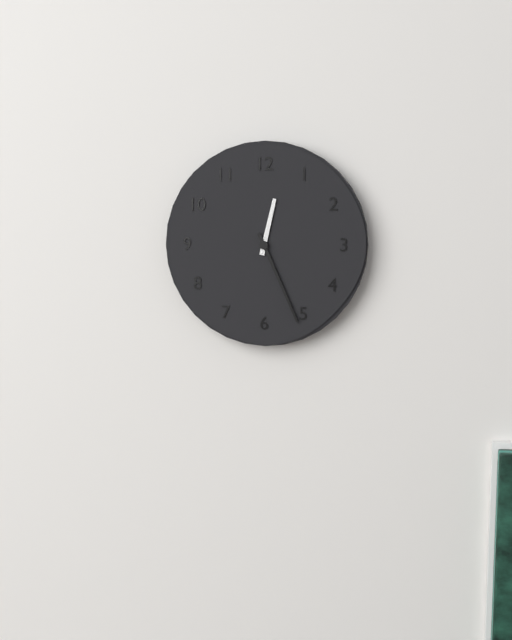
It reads 12h26
